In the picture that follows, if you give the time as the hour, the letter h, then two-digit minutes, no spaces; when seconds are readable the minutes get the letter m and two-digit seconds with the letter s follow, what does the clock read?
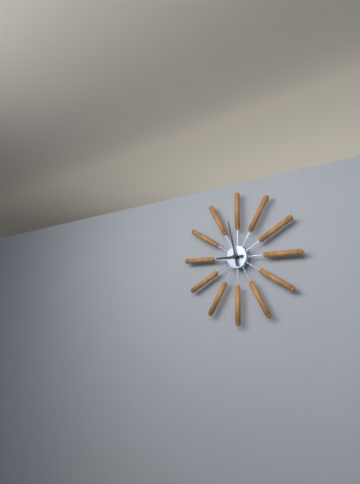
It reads 8h58
